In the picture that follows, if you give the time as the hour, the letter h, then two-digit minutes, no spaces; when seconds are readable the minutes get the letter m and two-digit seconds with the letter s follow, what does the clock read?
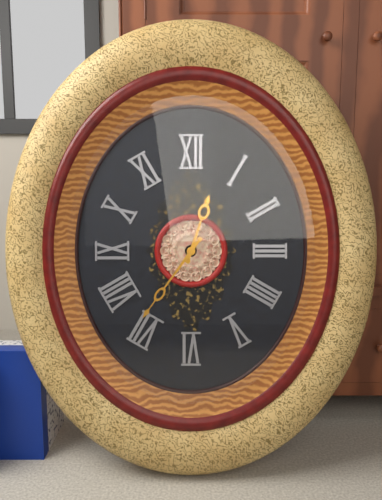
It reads 12h36
